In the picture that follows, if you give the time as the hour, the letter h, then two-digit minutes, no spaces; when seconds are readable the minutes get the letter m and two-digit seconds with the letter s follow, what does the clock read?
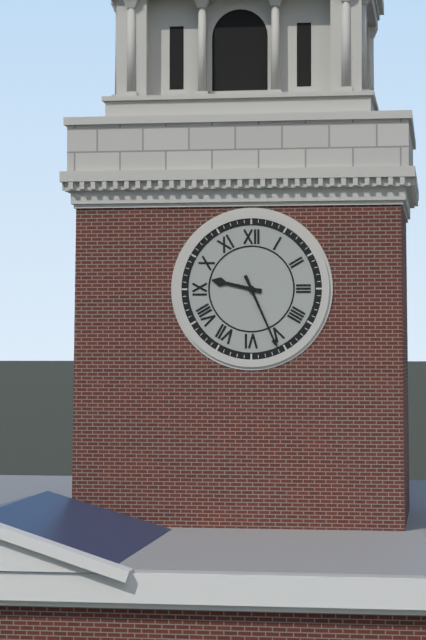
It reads 9h26
